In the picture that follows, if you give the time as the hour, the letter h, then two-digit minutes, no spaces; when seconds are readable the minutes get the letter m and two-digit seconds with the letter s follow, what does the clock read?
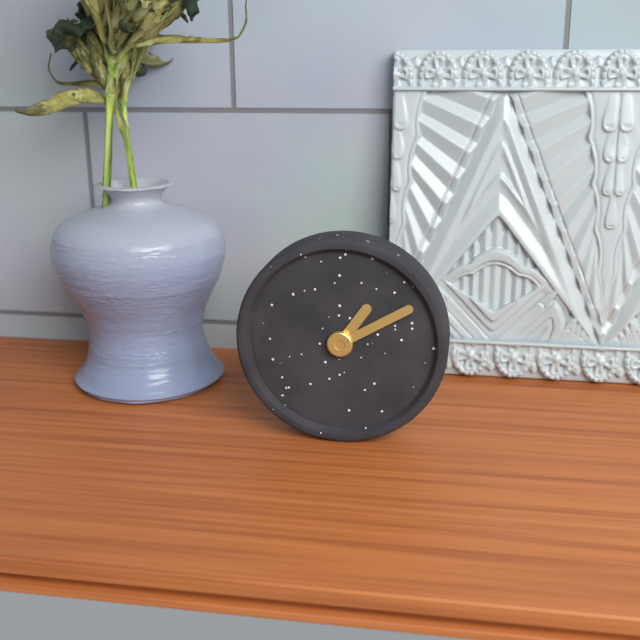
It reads 1h10
